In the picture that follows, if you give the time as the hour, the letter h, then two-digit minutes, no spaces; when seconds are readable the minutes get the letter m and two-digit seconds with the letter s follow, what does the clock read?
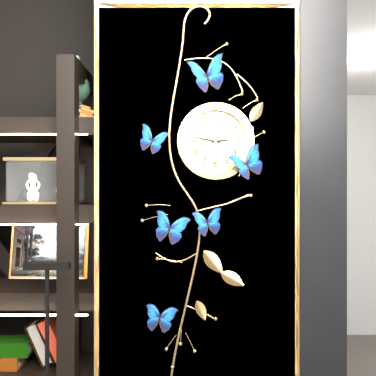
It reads 2h47
